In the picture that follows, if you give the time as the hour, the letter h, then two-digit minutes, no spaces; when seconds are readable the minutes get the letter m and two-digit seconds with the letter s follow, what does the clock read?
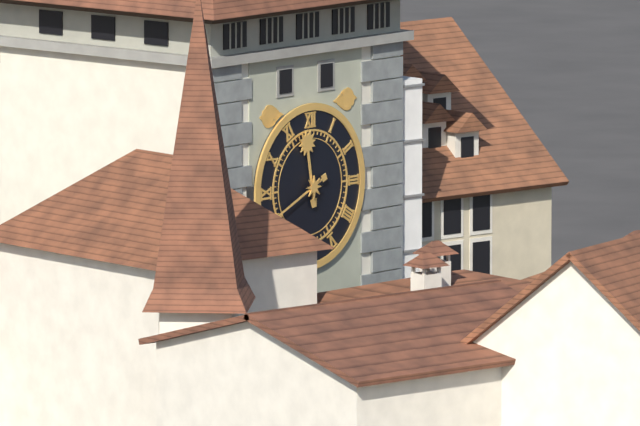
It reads 11h41
